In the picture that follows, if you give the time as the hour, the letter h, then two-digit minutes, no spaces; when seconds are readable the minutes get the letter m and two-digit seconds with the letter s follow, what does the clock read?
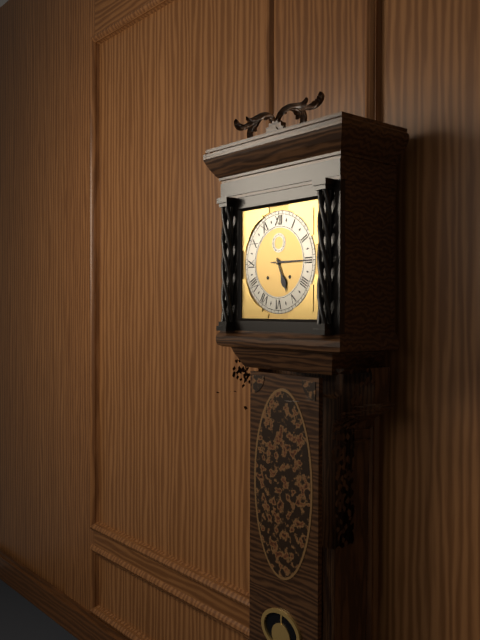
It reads 5h15
